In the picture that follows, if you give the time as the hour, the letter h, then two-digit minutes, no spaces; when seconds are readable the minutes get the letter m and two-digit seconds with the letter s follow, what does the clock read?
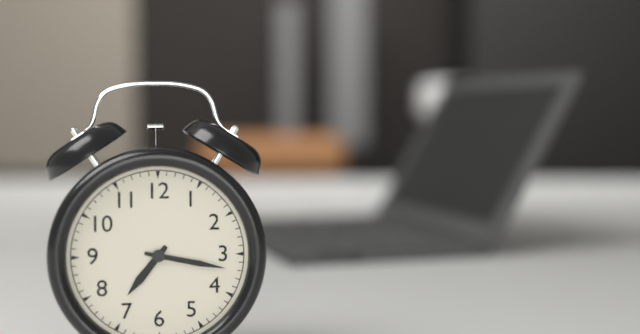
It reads 7h17
